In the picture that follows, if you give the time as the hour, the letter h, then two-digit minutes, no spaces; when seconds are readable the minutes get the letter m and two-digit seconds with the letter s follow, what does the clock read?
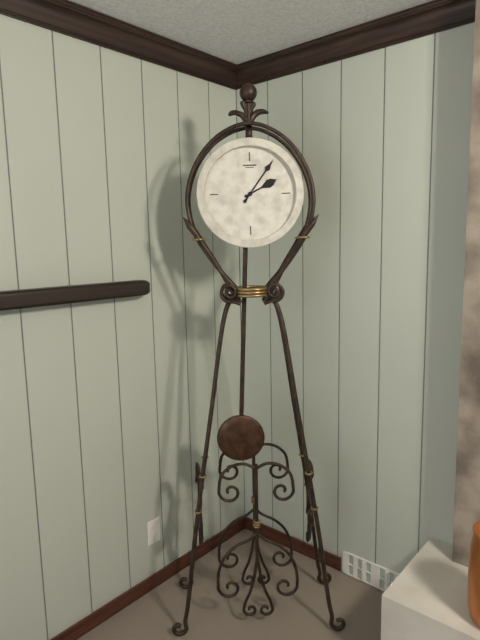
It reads 2h06
